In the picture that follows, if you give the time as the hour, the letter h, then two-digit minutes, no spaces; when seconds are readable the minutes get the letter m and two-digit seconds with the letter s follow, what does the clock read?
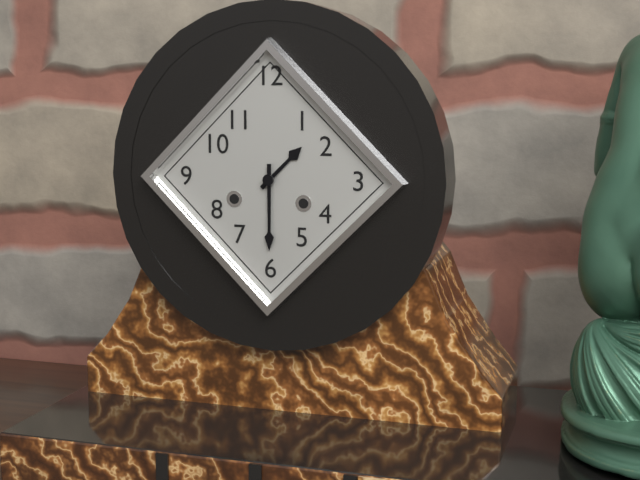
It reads 1h30
